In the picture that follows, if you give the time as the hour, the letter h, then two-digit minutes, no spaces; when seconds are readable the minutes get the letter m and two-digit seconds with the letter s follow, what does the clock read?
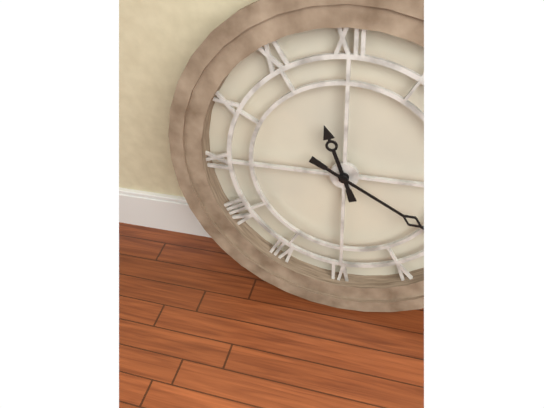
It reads 11h20
